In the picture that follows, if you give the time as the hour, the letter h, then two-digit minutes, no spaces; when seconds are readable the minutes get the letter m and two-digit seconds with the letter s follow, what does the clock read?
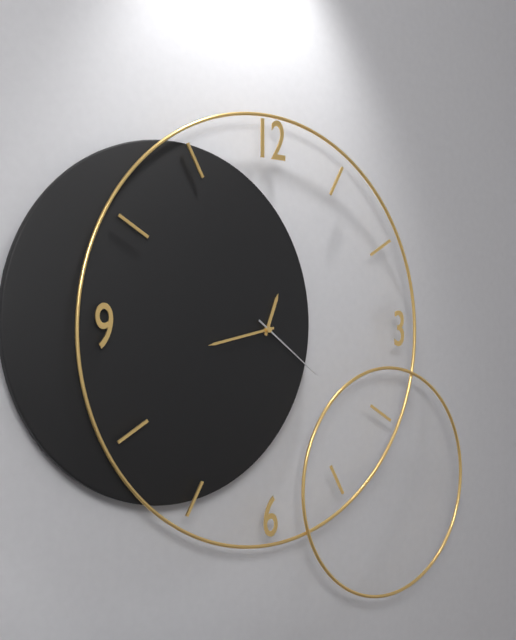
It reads 12h43m21s
